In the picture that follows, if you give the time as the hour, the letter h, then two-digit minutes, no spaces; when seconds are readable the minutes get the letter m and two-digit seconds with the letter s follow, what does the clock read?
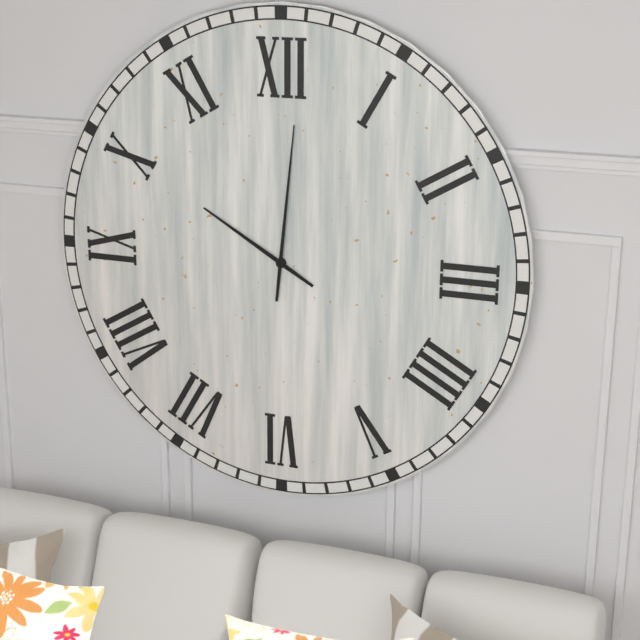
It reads 10h01
